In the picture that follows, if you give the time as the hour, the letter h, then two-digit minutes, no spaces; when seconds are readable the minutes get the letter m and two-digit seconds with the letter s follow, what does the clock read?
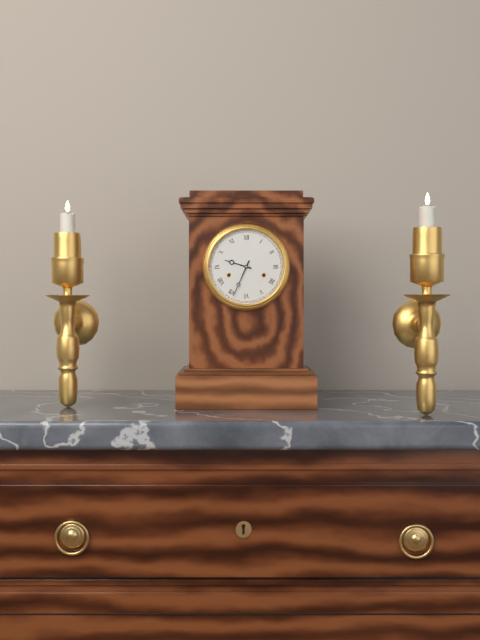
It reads 9h34
